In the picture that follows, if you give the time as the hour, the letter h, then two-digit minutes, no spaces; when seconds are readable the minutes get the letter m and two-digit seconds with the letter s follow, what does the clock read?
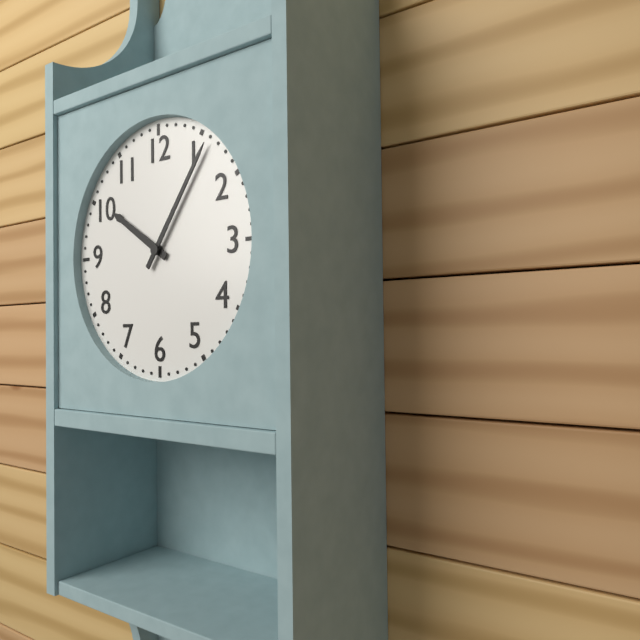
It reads 10h06
